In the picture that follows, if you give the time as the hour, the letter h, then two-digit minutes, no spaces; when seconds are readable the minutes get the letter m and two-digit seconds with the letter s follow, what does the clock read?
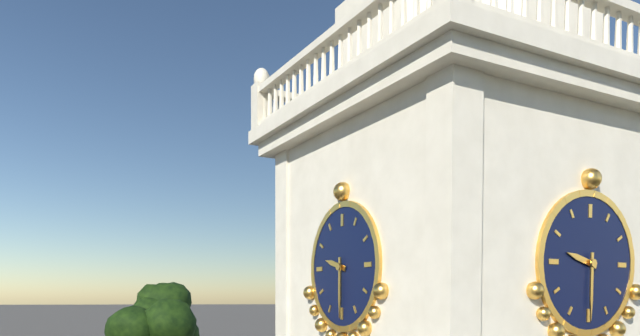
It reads 9h30
